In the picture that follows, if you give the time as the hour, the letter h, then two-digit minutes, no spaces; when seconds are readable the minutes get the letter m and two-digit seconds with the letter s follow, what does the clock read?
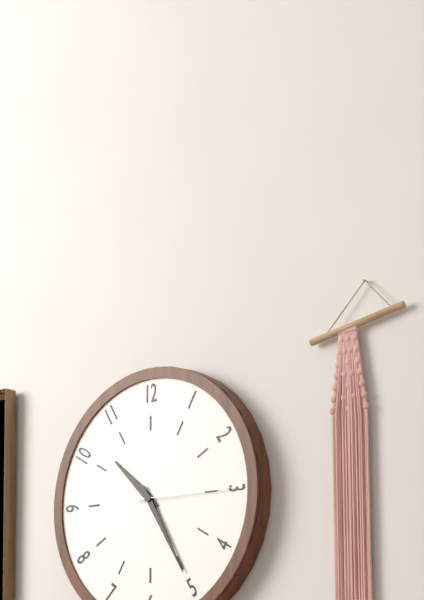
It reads 10h25m15s
